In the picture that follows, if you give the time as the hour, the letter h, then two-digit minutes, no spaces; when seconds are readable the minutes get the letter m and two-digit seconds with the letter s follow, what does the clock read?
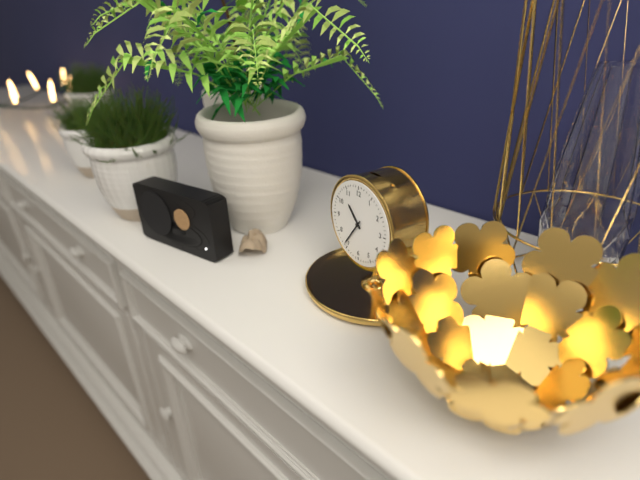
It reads 10h36
